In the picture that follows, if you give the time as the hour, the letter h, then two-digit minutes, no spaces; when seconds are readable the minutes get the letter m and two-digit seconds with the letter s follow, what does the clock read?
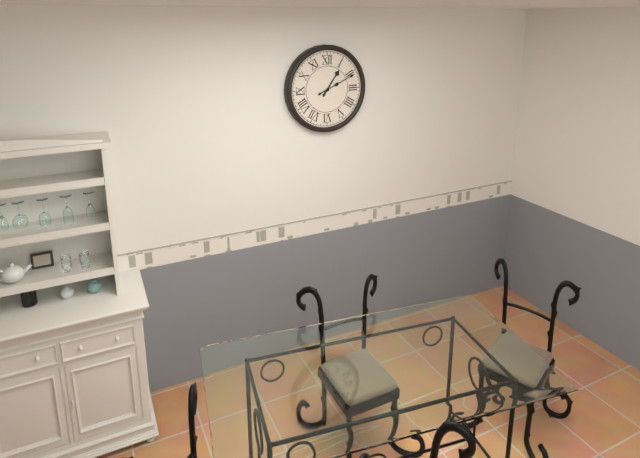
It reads 1h11
